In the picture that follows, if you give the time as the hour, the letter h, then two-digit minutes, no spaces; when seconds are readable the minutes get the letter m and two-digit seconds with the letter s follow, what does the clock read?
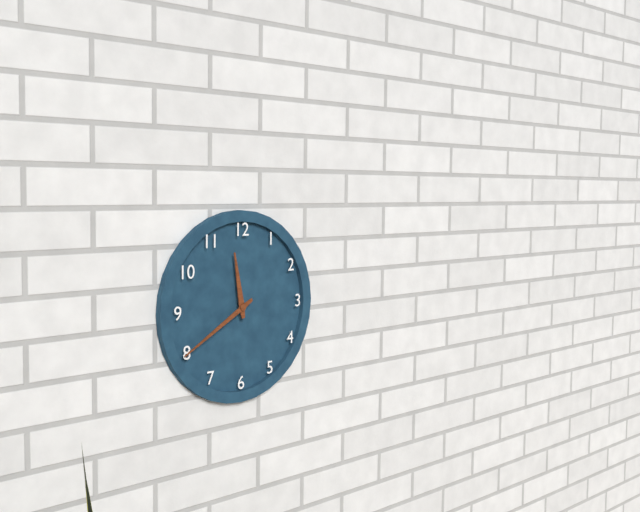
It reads 11h40
